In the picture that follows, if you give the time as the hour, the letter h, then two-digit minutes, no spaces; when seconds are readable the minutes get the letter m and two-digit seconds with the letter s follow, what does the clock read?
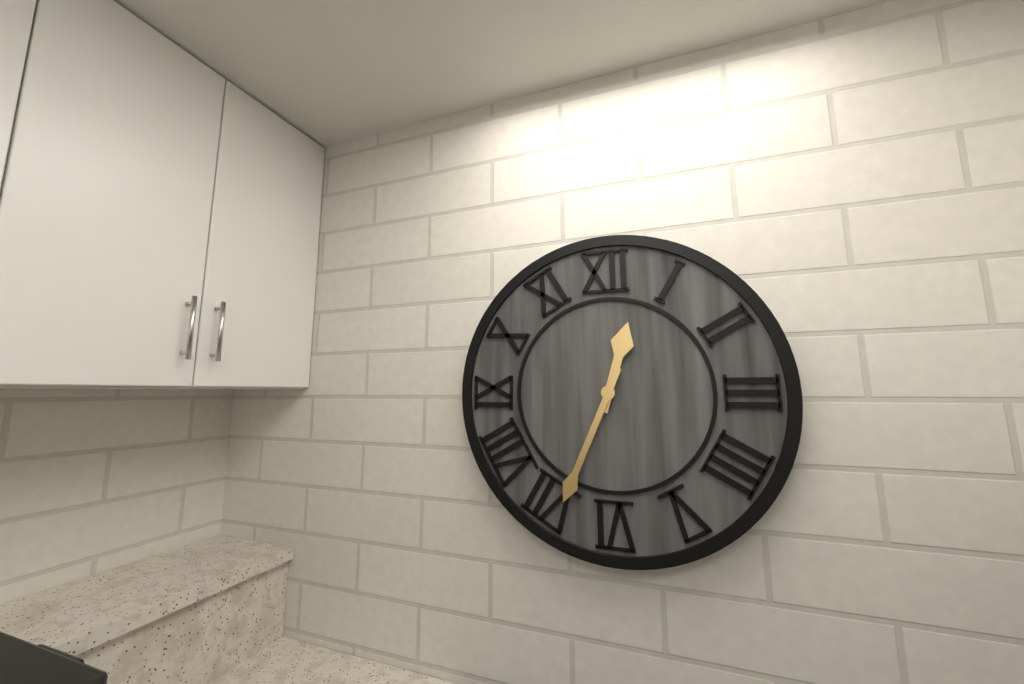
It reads 12h34
